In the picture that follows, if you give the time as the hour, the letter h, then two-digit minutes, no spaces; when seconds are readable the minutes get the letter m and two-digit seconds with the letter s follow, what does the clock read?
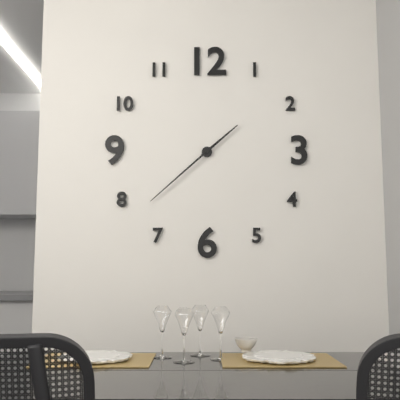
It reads 1h38
